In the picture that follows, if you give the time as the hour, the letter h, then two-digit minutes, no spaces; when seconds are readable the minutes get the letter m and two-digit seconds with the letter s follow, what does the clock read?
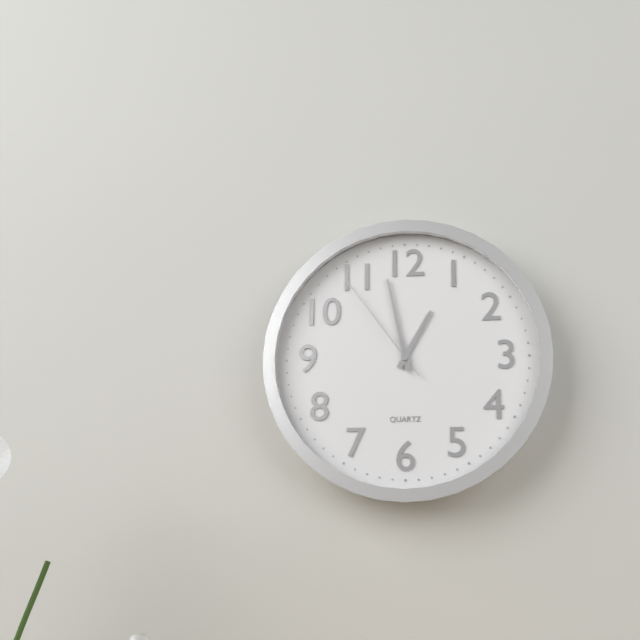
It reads 12h58m54s
